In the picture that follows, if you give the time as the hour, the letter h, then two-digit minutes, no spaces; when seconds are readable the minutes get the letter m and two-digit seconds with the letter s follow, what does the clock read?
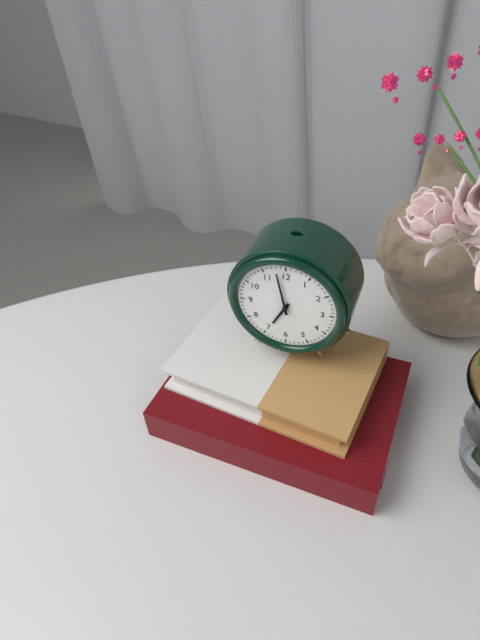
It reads 6h58
